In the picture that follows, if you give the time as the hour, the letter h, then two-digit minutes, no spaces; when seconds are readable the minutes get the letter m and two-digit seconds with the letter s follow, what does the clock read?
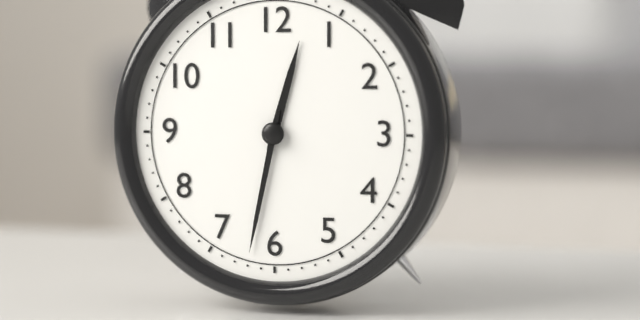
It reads 12h32
